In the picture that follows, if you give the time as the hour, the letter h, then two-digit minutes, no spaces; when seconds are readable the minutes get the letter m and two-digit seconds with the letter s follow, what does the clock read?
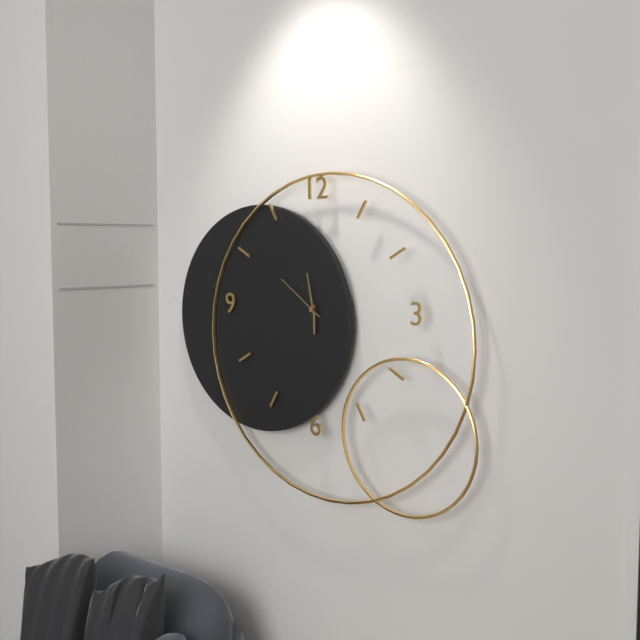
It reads 5h58m51s
